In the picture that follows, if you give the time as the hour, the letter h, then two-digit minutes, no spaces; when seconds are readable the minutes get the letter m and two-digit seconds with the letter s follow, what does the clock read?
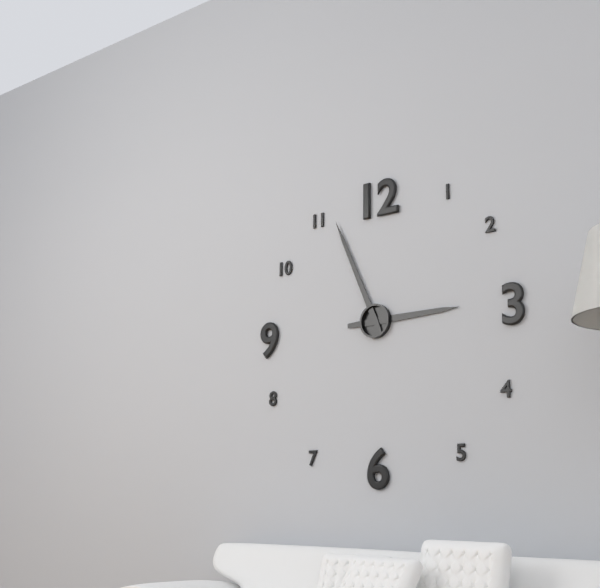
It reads 2h56
